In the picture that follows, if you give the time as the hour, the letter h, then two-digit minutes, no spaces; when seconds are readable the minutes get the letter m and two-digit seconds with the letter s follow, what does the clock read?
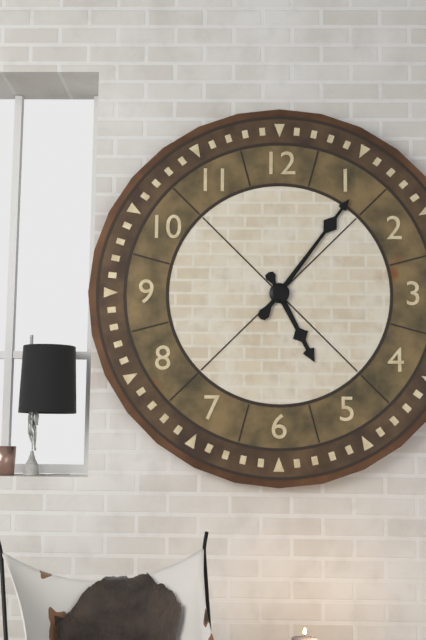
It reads 5h06
